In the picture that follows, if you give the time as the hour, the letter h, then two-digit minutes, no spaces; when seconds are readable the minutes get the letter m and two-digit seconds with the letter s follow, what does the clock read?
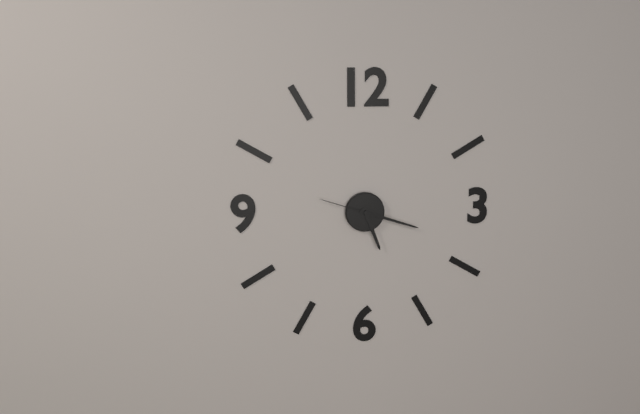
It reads 5h18m48s
